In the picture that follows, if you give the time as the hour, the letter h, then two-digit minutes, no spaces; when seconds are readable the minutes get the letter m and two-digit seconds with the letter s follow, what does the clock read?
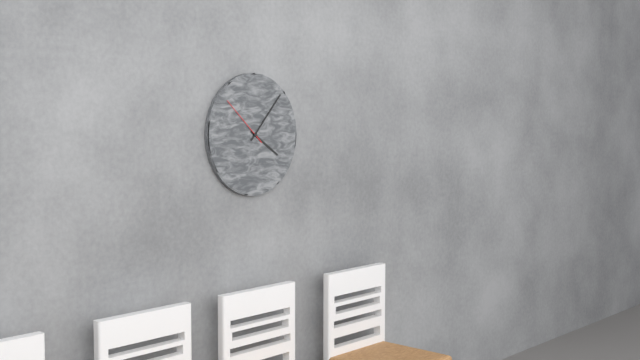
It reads 4h07m52s
